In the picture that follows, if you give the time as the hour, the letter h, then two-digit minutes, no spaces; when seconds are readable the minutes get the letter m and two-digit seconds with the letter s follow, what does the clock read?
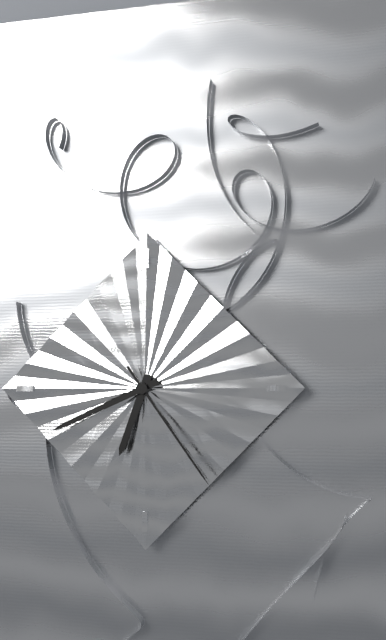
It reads 6h41m24s
